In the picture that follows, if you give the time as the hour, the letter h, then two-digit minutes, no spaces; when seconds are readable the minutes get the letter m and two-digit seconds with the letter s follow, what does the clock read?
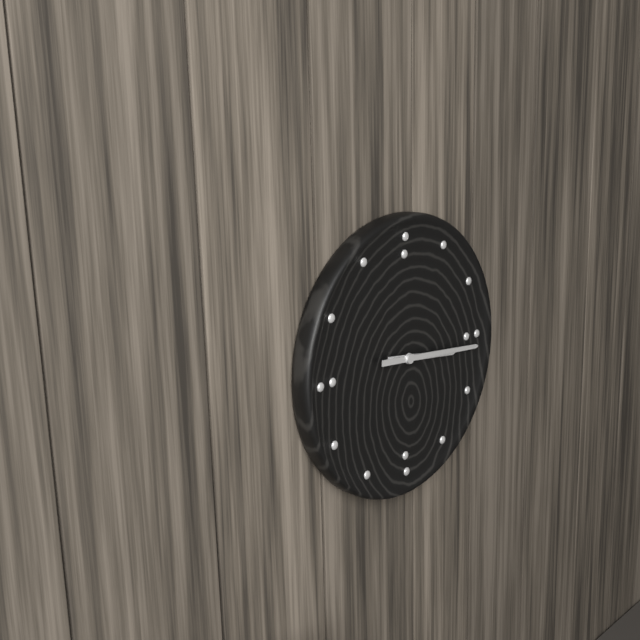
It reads 3h16
